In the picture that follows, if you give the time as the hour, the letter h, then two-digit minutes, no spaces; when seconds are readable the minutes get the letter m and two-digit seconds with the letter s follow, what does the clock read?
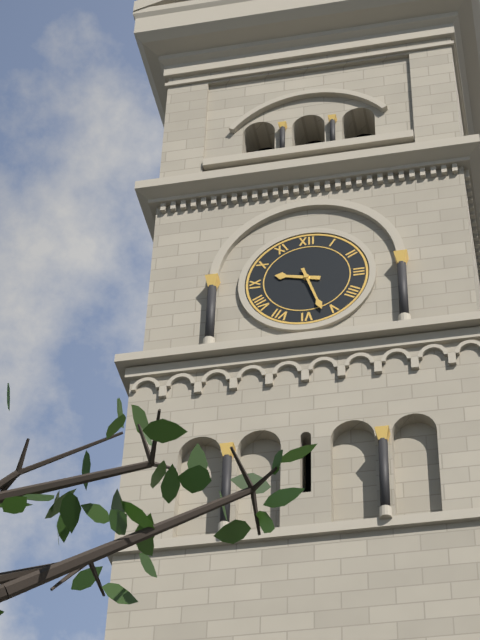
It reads 9h27
